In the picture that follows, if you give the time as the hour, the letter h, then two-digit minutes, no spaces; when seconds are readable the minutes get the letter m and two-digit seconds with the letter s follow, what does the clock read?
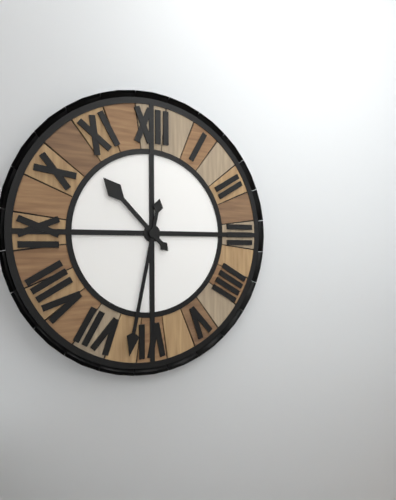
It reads 10h32
